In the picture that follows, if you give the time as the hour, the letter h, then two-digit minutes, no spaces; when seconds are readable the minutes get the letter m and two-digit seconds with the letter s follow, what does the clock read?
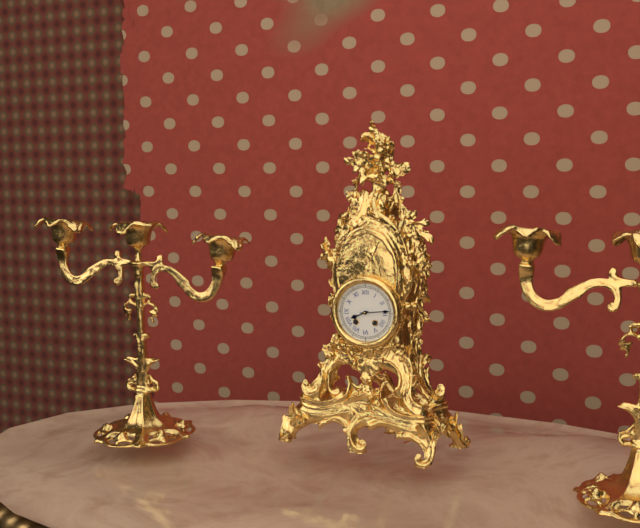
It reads 8h14
